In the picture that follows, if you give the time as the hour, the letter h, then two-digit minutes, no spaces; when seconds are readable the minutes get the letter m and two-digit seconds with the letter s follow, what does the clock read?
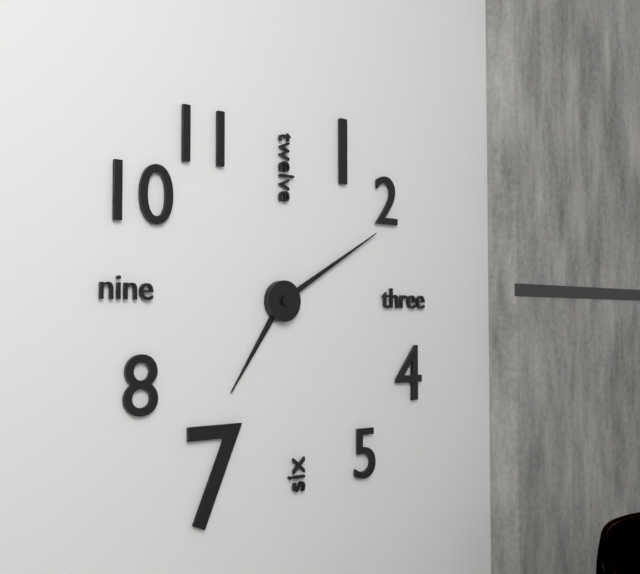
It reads 7h10
